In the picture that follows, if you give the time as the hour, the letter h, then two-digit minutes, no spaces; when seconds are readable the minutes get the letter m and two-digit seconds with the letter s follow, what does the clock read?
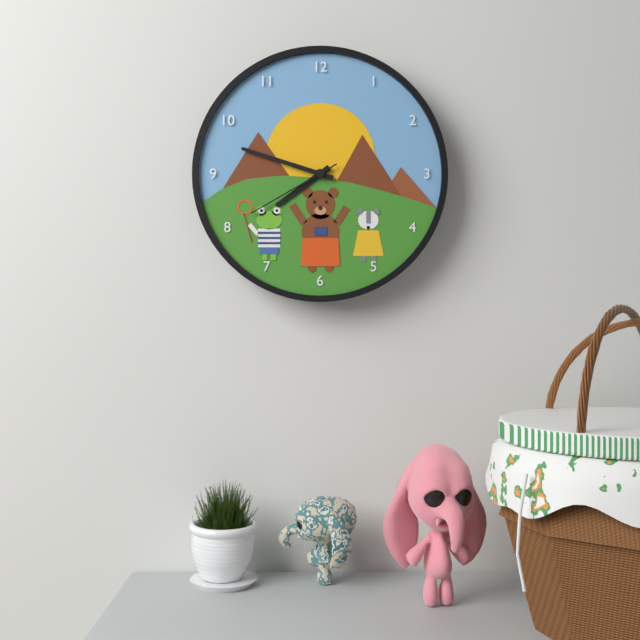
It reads 7h48m40s
